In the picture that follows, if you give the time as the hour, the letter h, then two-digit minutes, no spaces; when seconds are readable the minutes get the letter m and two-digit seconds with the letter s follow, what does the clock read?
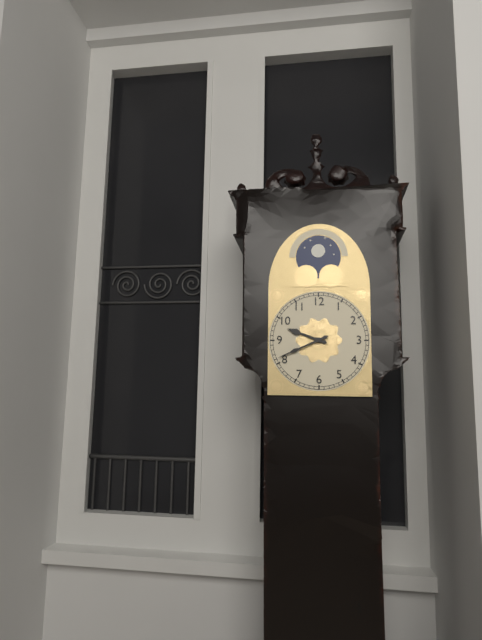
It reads 9h41
